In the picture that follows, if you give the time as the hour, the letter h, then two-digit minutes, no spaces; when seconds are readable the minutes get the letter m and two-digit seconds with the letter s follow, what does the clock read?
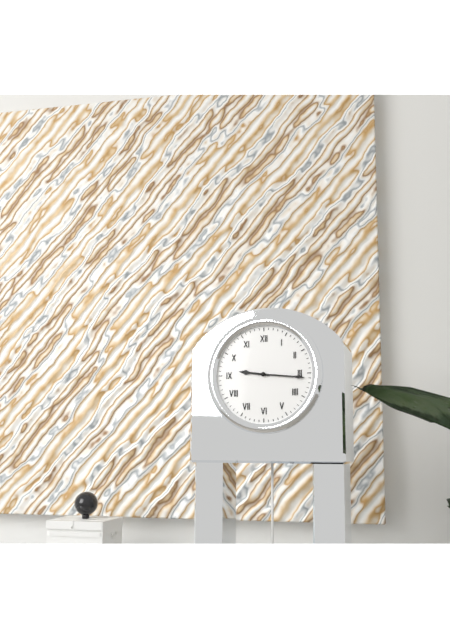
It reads 9h16
